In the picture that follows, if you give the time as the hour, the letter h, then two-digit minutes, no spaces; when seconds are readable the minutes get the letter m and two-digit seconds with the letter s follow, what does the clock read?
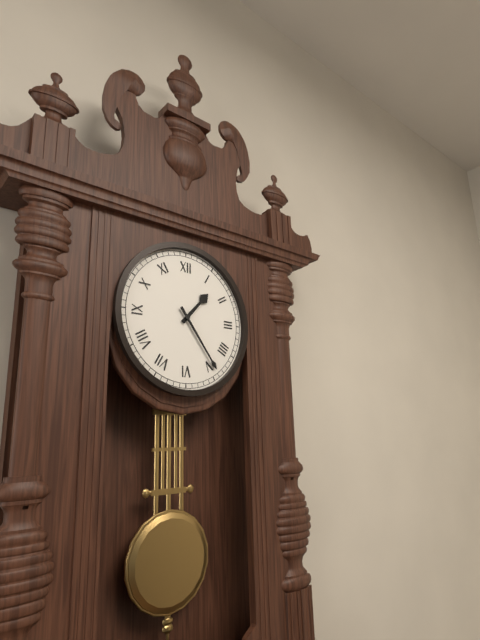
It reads 1h24
